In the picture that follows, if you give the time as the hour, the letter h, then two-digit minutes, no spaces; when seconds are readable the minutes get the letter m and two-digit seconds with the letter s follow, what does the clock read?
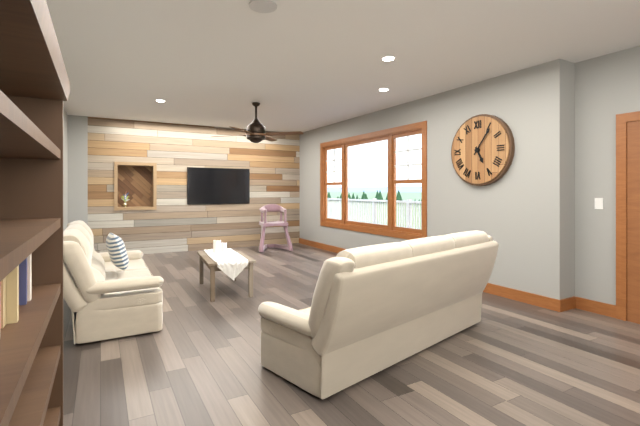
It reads 5h06
